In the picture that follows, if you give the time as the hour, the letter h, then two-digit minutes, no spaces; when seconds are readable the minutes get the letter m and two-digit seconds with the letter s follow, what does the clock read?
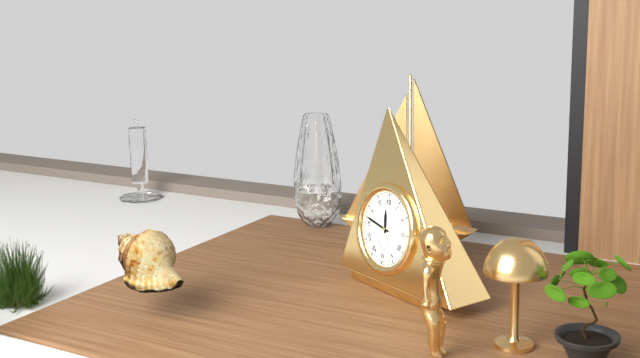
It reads 11h47
